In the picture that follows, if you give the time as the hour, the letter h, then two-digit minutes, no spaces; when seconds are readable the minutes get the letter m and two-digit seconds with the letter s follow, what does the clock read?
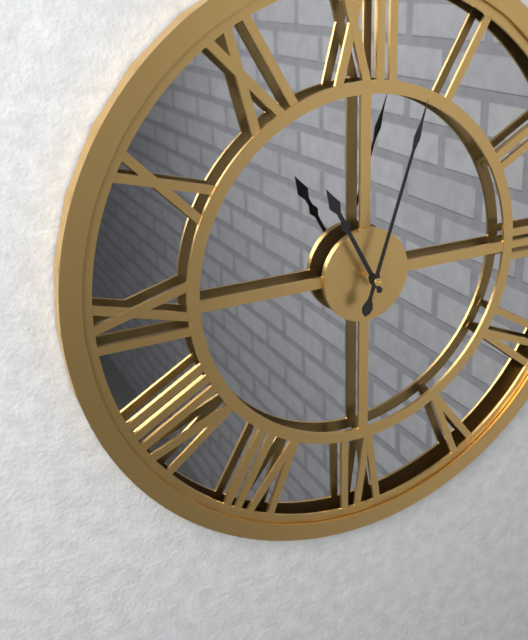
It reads 11h03
